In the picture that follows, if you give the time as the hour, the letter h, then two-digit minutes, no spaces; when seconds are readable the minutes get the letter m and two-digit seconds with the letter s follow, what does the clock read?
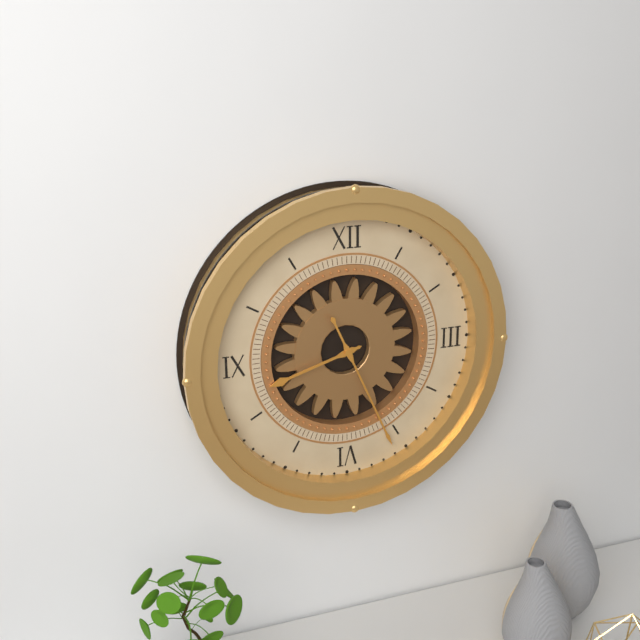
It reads 8h26
